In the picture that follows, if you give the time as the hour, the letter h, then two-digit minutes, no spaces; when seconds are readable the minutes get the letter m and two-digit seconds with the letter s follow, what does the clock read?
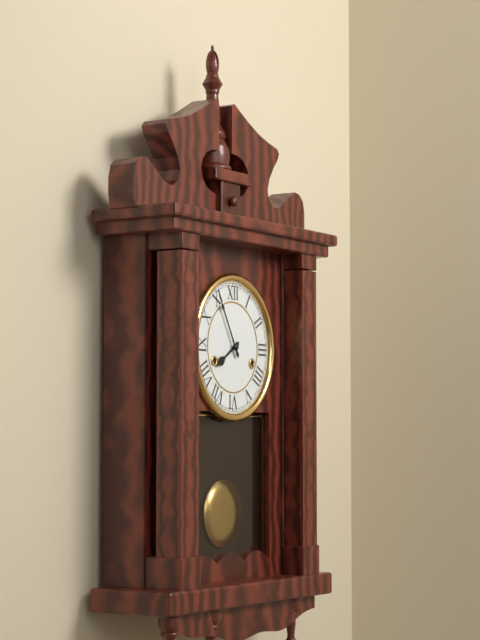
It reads 7h55
